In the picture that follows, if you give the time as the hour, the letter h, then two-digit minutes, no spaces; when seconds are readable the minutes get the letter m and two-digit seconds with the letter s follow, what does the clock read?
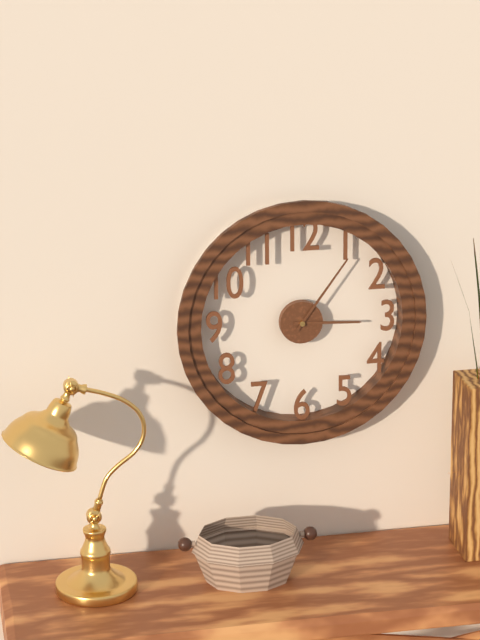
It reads 3h06
